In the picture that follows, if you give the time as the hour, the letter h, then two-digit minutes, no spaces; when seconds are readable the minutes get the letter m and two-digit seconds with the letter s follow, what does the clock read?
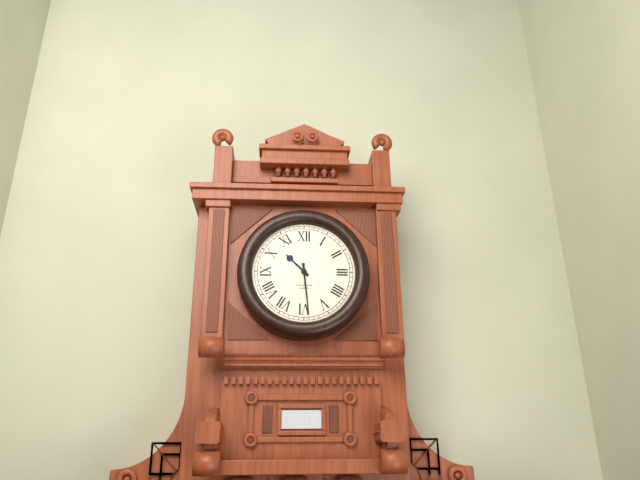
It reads 10h29
